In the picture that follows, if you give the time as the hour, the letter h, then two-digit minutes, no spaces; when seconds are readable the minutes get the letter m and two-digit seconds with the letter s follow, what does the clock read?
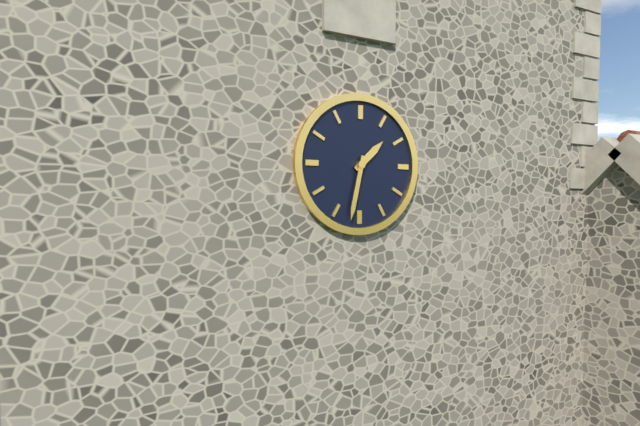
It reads 1h32
